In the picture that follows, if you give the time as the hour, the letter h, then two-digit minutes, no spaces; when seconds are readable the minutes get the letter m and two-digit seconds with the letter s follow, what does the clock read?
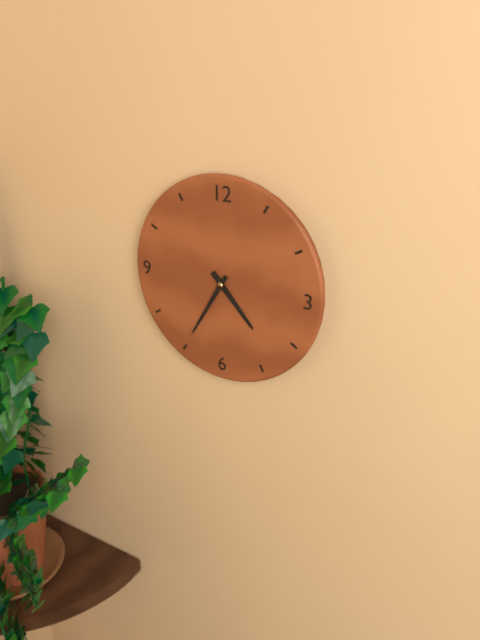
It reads 4h35
